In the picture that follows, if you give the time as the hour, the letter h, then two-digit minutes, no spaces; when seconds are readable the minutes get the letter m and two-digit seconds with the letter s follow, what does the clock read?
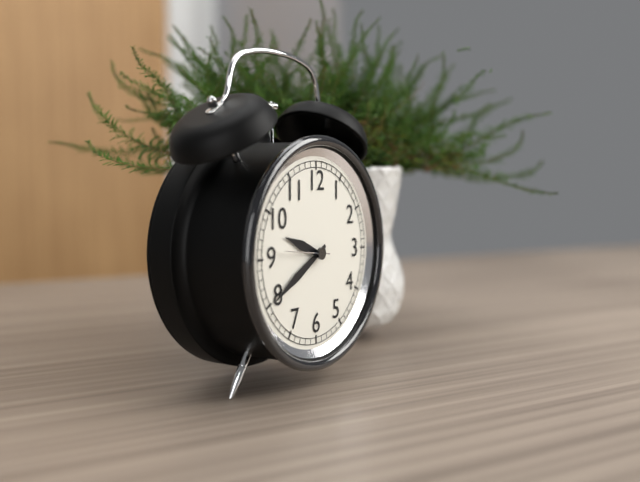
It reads 9h40
